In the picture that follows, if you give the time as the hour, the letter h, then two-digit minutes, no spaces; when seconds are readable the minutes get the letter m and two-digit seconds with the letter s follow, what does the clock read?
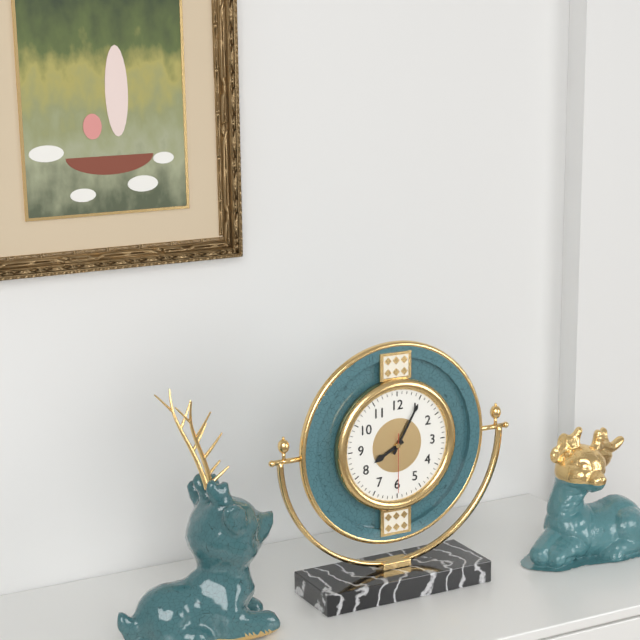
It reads 8h05m30s
